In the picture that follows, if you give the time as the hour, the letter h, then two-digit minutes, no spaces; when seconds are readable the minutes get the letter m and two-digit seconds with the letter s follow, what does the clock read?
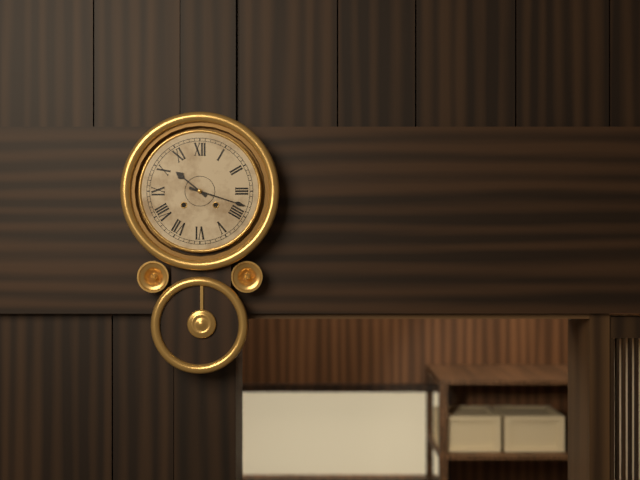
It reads 10h18
